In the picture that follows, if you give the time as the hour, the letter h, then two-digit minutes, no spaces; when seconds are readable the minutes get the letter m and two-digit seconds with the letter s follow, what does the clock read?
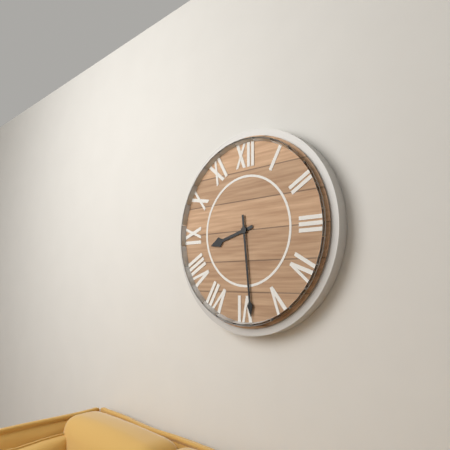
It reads 8h29
